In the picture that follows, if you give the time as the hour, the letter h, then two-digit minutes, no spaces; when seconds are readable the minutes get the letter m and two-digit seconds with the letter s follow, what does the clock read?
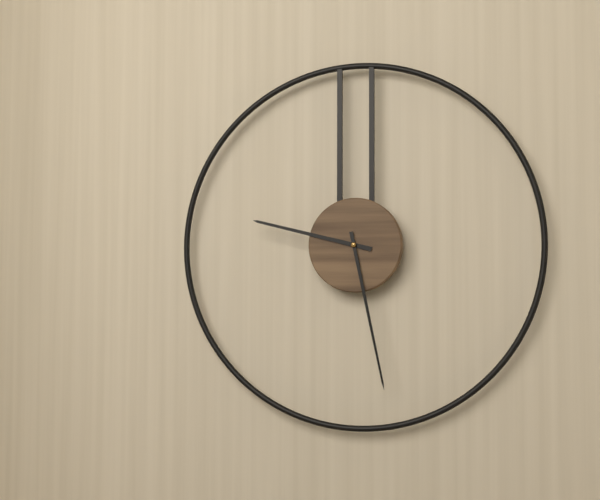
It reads 9h28
